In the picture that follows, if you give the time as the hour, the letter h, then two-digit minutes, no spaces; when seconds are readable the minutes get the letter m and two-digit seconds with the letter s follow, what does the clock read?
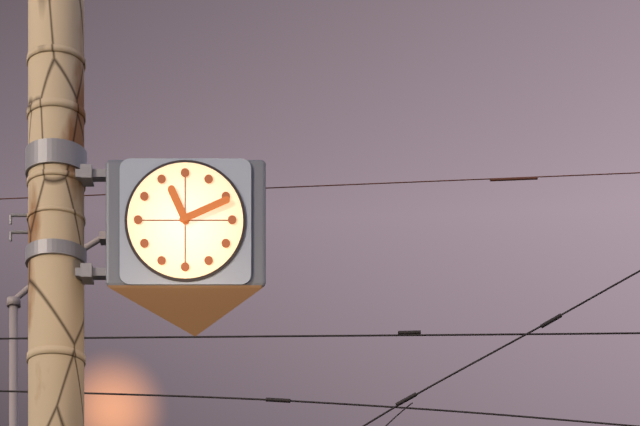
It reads 11h11
